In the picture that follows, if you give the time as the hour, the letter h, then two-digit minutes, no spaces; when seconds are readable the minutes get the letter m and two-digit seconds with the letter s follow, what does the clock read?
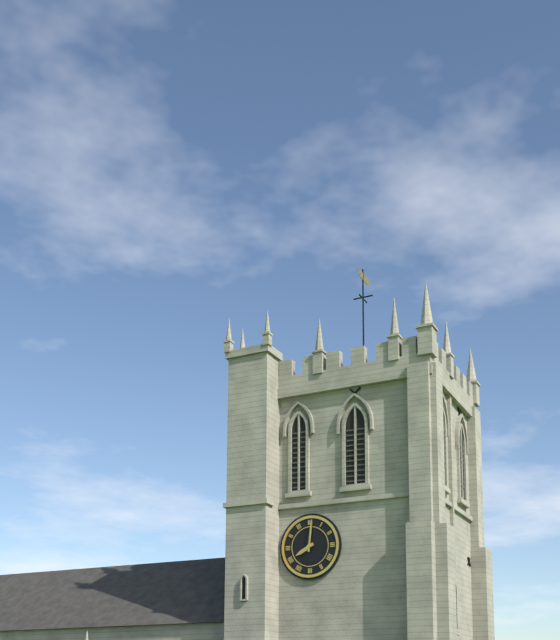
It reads 8h01
